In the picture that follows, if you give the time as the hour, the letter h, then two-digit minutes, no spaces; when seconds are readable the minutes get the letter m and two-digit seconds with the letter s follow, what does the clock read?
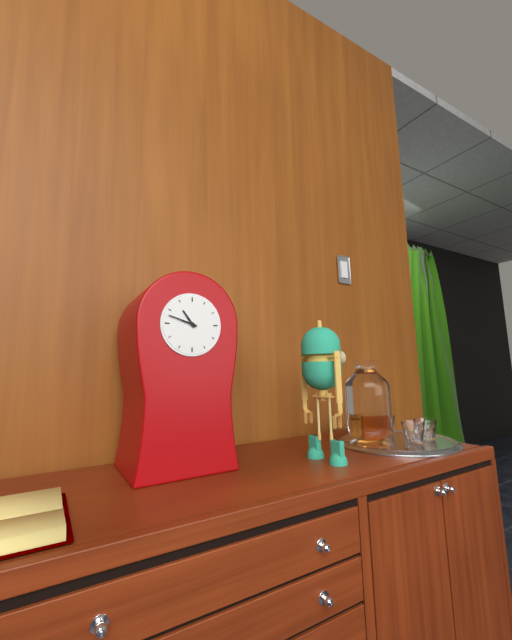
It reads 10h48
